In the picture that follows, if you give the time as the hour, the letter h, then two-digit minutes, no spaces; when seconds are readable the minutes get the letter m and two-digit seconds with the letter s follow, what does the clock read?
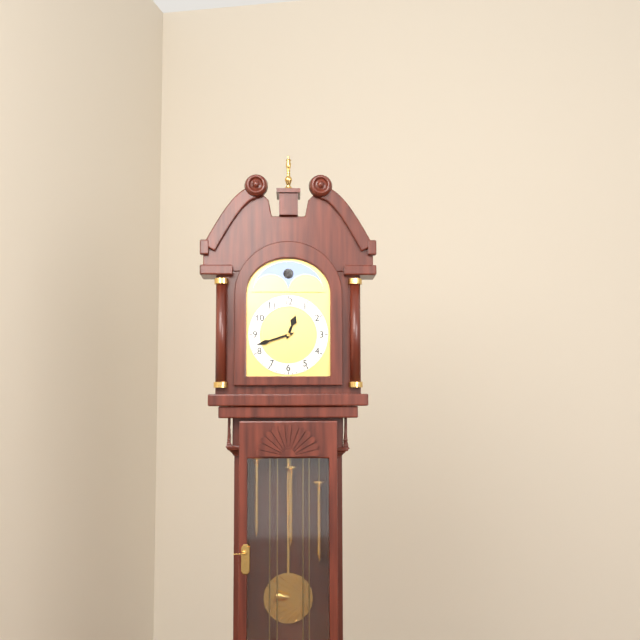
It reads 12h42
